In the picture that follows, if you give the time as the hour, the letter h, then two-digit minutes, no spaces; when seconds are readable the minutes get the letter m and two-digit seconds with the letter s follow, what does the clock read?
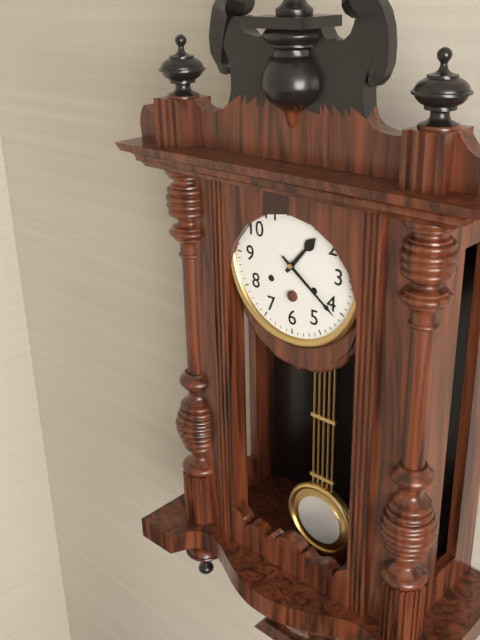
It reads 1h21
